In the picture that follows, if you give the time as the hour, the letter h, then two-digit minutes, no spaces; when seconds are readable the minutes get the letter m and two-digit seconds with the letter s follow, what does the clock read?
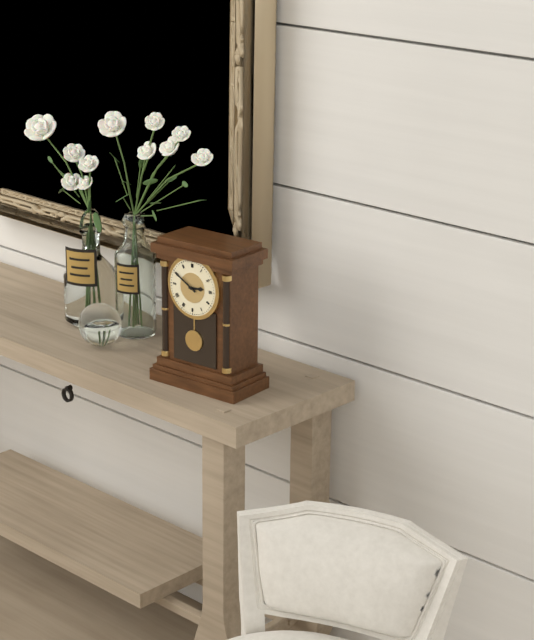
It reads 2h50
